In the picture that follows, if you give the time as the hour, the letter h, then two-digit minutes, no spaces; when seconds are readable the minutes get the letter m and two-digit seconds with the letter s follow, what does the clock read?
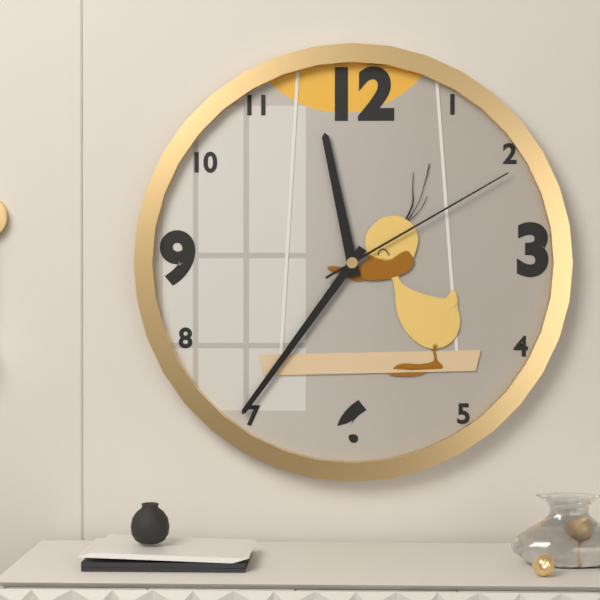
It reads 11h36m10s
